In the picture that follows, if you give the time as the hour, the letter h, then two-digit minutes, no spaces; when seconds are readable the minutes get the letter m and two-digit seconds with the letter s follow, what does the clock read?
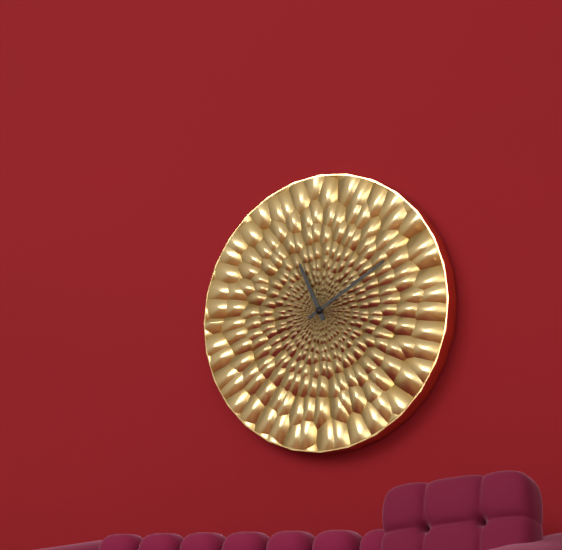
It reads 11h10
